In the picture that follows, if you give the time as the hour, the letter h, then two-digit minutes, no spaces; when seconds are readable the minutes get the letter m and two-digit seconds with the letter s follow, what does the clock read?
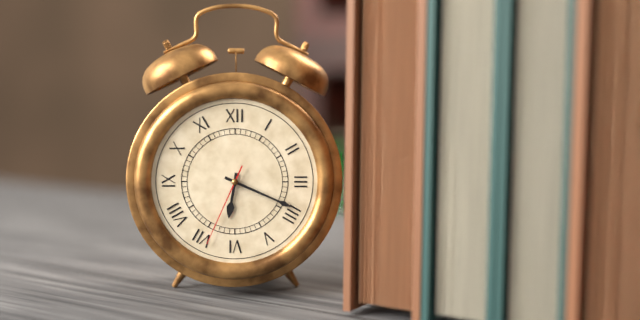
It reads 6h19m34s
